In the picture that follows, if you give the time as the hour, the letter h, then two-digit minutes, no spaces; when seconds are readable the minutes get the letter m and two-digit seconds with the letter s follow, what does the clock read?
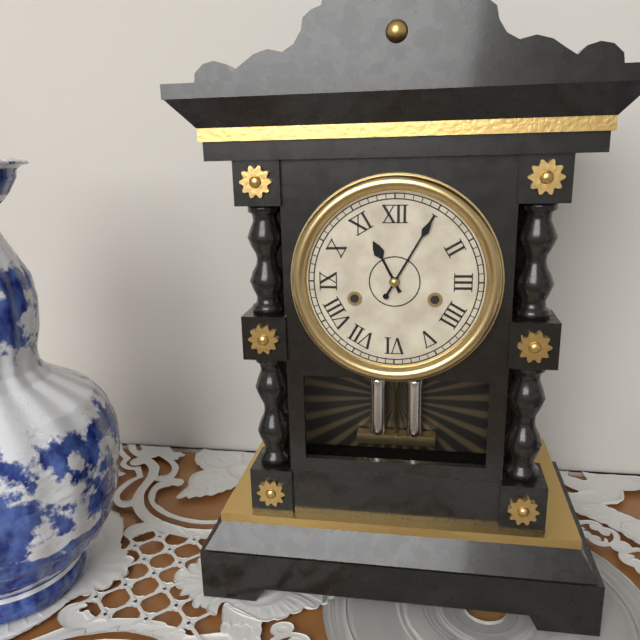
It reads 11h05
